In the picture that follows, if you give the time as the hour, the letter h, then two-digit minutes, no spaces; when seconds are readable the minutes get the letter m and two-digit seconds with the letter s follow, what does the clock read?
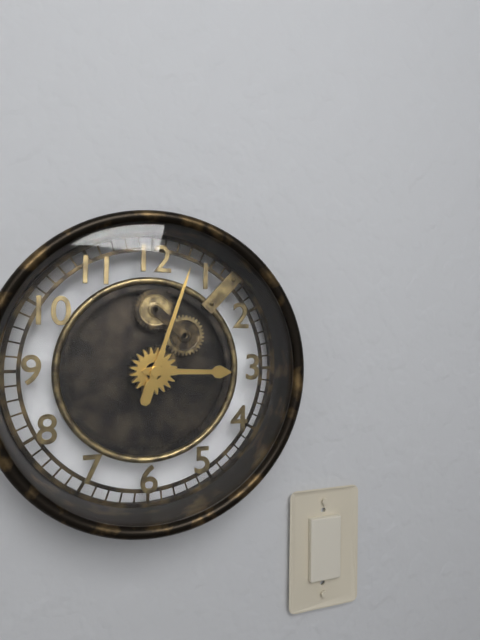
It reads 3h03
